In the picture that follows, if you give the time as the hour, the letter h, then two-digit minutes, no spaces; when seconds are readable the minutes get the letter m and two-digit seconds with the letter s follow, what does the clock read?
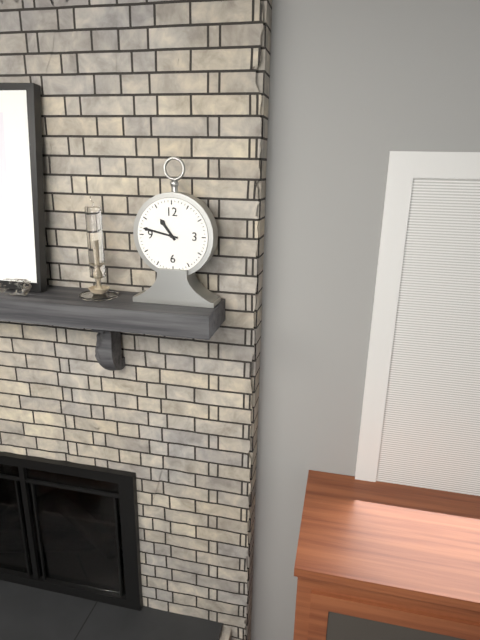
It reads 10h47
